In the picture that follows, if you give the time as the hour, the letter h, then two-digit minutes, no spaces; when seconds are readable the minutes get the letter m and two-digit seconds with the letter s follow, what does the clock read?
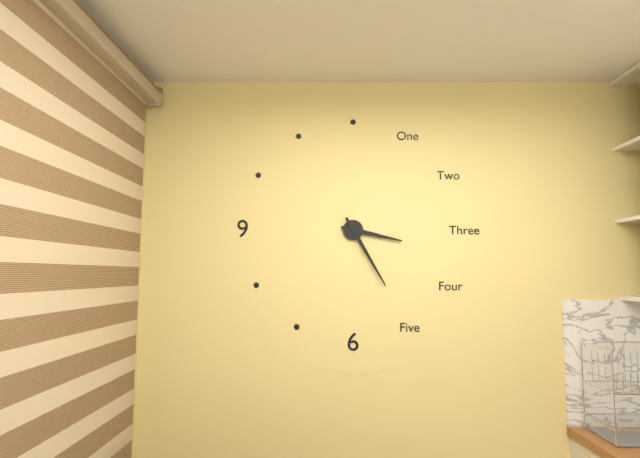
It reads 3h25
